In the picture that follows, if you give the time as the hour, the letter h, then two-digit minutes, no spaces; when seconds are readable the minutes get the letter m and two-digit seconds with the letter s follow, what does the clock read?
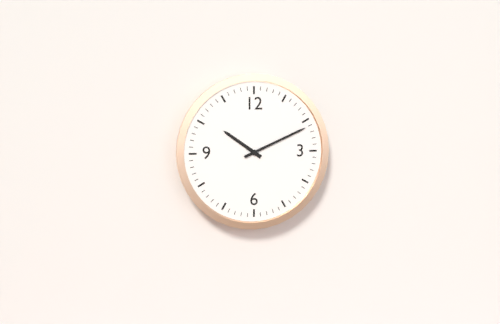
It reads 10h11
